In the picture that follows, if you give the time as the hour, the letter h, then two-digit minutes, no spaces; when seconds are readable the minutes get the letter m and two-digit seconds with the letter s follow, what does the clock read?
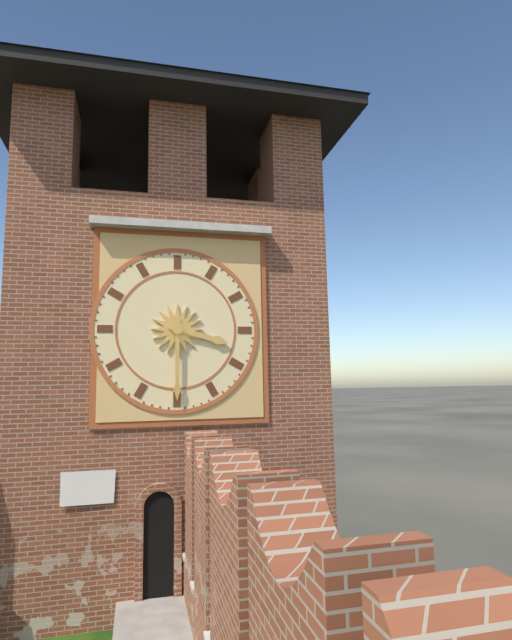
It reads 3h30
